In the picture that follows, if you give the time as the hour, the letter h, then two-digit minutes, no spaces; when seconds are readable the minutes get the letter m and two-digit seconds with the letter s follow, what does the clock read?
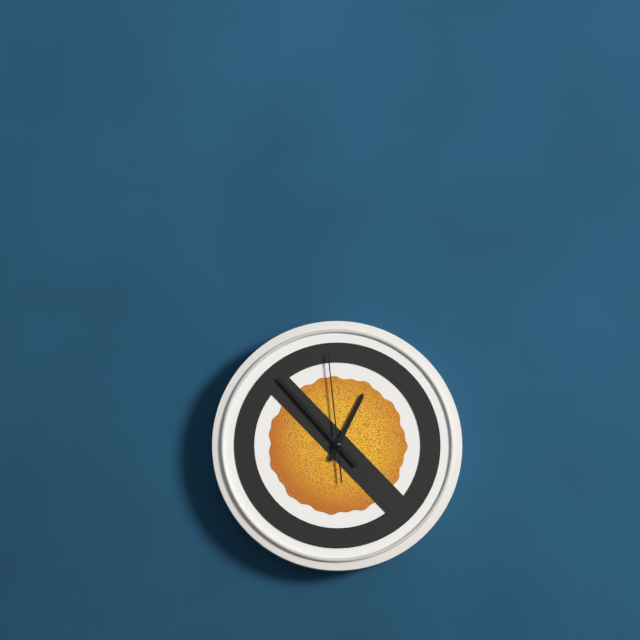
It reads 12h53m59s
